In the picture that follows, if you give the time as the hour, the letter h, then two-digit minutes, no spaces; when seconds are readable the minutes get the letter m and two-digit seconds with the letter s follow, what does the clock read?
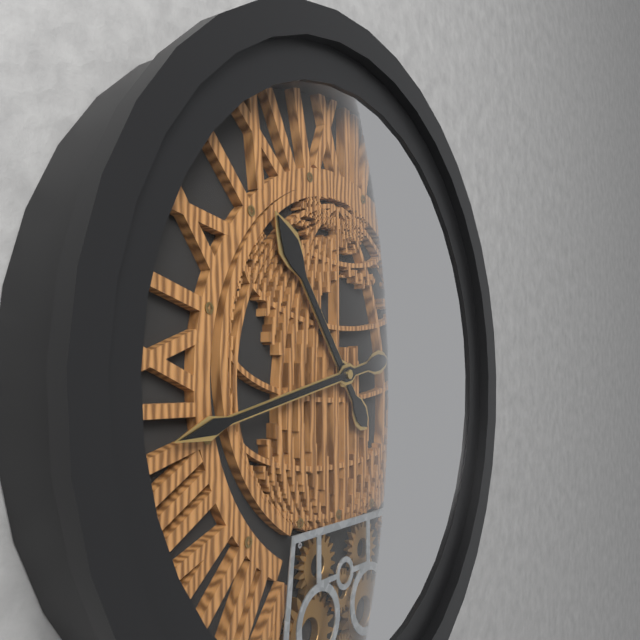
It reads 10h43
